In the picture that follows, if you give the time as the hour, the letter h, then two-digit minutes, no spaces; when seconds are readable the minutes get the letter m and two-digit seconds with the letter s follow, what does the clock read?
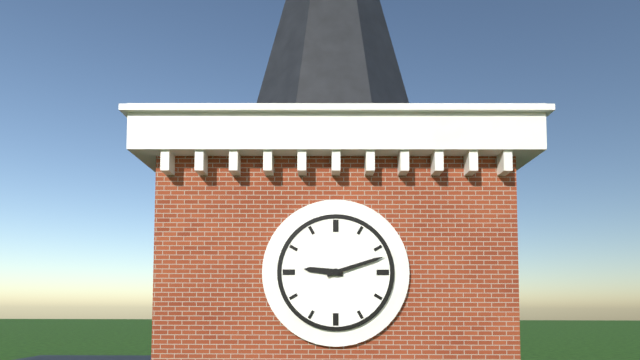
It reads 9h12
